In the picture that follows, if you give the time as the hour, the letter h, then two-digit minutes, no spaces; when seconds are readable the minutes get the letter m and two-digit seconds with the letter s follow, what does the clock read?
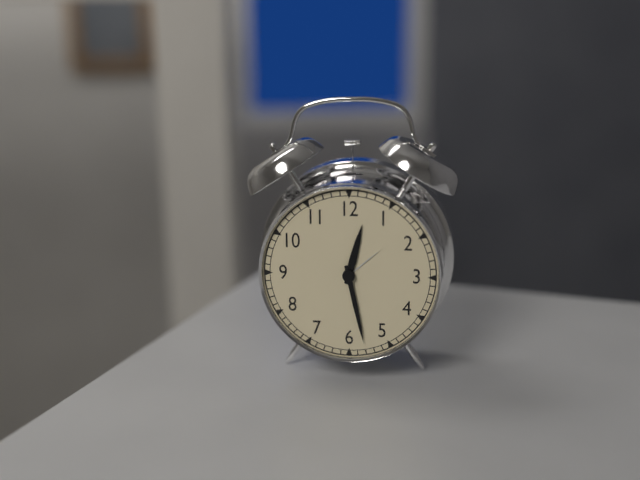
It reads 12h28
